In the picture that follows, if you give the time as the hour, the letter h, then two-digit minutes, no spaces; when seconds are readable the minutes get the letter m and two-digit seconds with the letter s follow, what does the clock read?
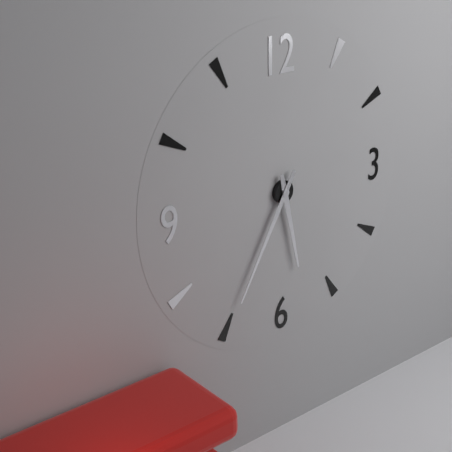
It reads 5h35
